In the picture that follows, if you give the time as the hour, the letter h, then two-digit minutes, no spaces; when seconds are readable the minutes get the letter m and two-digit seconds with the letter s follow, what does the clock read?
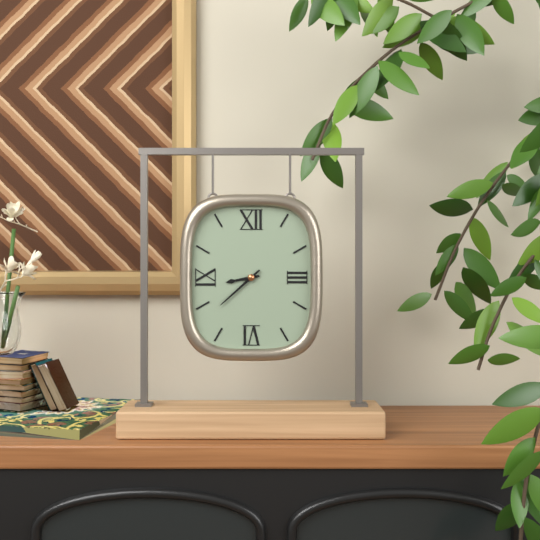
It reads 8h38
